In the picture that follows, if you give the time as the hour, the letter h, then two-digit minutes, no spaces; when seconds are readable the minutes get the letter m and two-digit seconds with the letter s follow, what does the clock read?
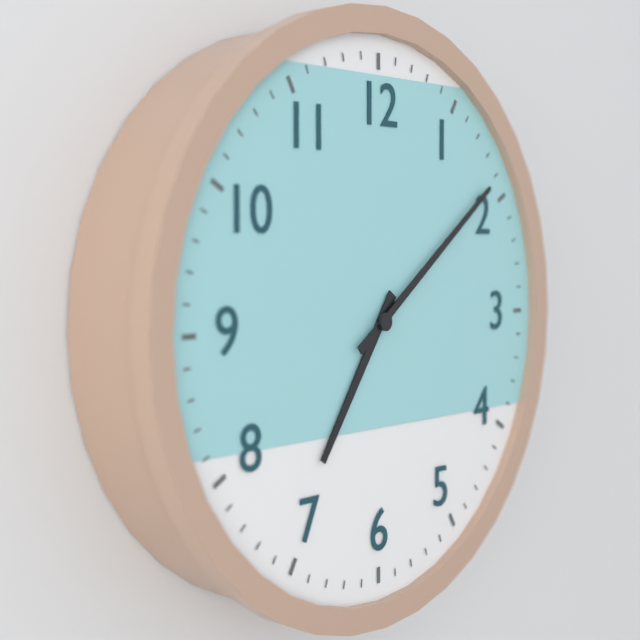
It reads 7h09
